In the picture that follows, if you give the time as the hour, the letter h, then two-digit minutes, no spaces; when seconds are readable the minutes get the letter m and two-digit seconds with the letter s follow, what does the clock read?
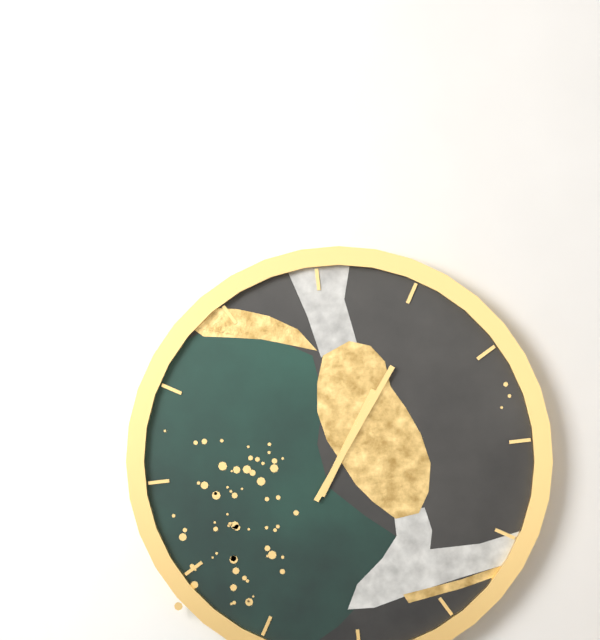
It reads 1h06
